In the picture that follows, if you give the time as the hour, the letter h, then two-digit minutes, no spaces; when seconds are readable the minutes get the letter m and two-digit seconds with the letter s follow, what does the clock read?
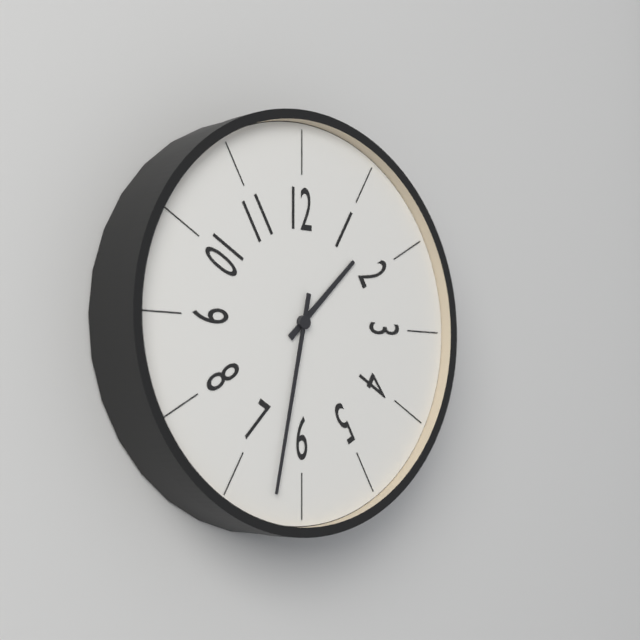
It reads 1h32
